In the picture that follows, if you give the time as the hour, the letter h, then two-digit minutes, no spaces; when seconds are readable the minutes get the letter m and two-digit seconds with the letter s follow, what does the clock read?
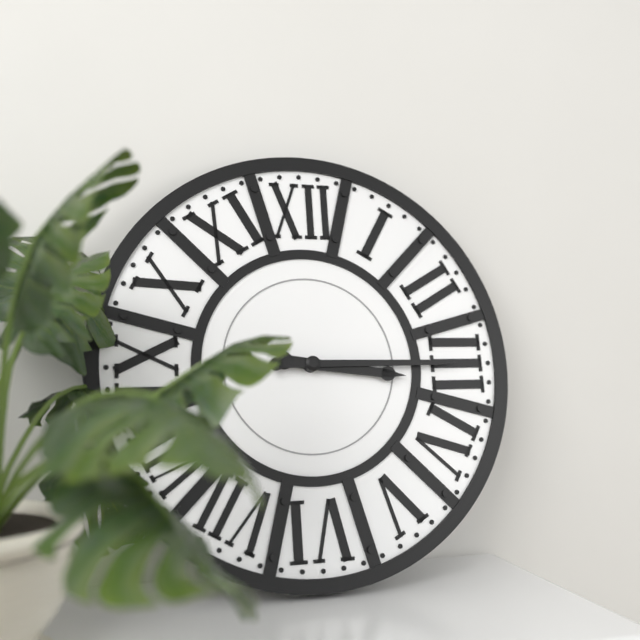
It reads 3h15
